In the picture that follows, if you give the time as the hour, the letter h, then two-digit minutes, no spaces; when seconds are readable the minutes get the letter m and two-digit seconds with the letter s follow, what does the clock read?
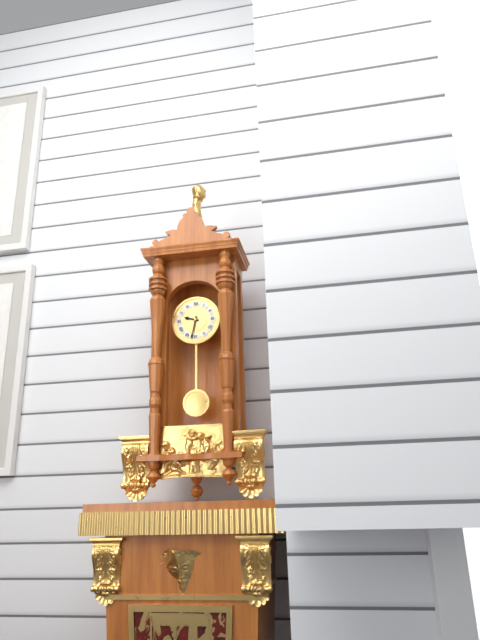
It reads 9h32
